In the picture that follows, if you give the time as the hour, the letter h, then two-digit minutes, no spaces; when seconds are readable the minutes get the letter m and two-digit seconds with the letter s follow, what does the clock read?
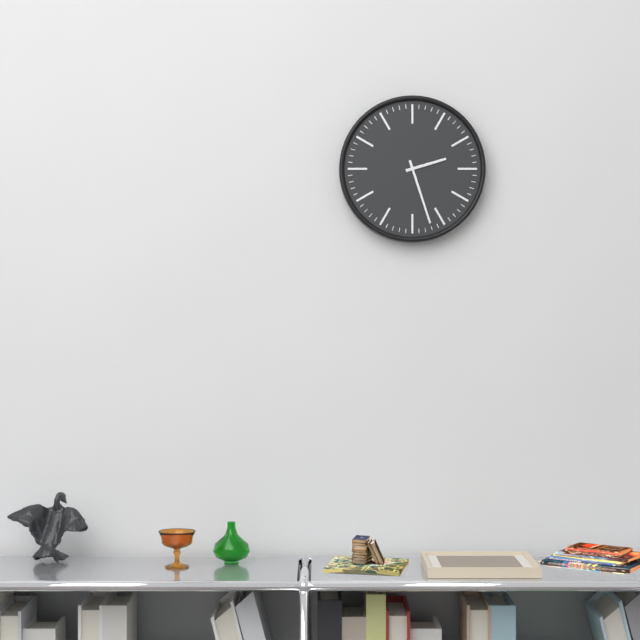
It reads 2h27
